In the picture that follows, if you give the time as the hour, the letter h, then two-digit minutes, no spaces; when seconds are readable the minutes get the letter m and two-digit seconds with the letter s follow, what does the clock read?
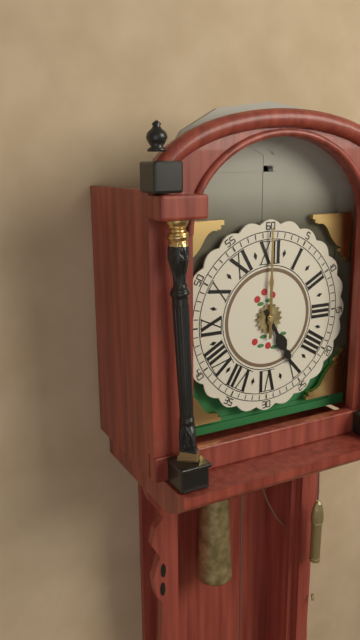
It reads 5h00
